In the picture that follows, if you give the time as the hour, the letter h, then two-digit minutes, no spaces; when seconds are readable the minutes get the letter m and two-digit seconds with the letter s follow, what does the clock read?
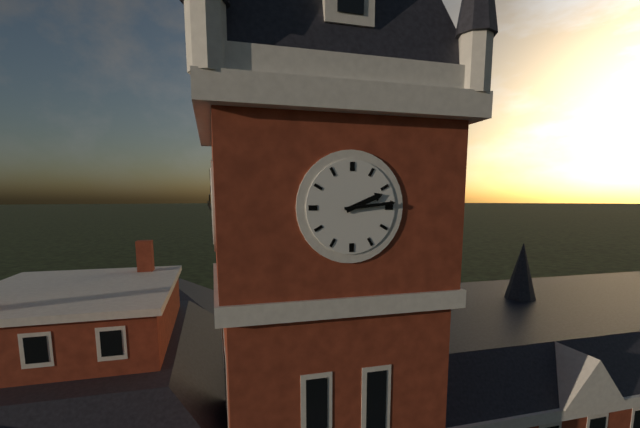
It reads 2h14
